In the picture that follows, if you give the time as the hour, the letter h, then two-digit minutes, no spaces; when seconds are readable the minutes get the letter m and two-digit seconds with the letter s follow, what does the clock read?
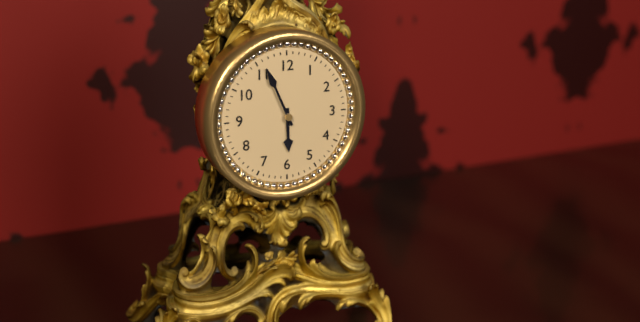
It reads 5h56
